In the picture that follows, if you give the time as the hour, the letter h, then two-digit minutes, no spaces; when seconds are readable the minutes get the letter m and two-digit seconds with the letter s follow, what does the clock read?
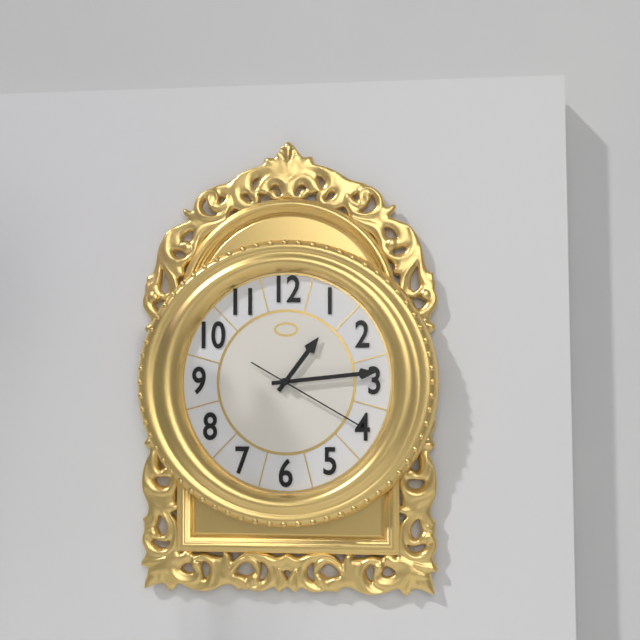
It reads 1h14m20s
